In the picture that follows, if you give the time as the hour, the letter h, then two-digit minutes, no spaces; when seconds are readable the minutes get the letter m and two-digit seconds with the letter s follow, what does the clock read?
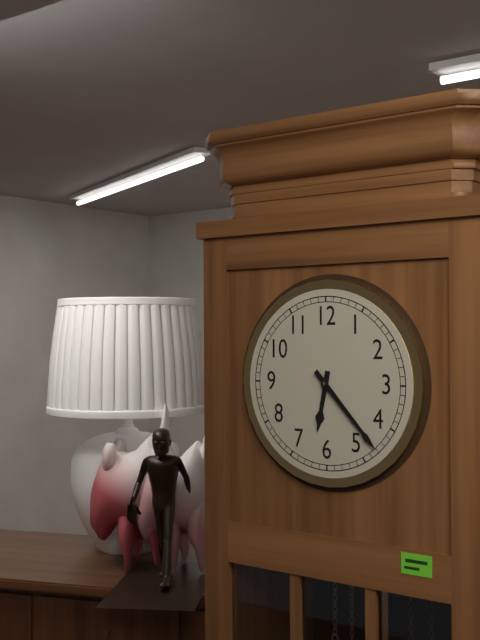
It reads 6h23
